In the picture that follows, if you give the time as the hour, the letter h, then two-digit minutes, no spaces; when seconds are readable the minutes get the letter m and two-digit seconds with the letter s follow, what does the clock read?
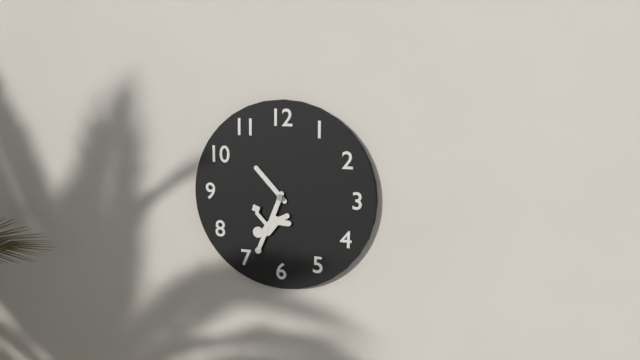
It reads 10h33
